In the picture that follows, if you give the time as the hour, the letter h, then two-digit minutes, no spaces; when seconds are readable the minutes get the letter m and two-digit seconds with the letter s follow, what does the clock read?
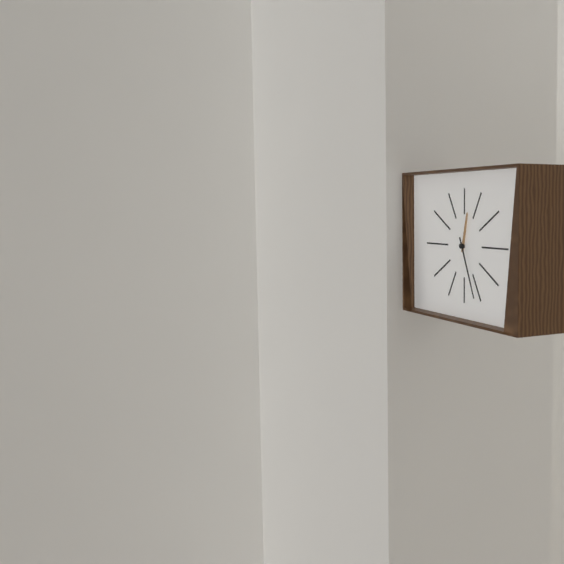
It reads 12h26
